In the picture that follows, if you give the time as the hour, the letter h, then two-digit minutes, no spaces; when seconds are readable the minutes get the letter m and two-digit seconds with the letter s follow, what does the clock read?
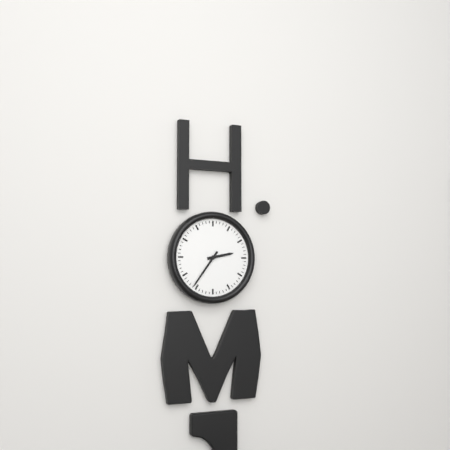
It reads 2h36
